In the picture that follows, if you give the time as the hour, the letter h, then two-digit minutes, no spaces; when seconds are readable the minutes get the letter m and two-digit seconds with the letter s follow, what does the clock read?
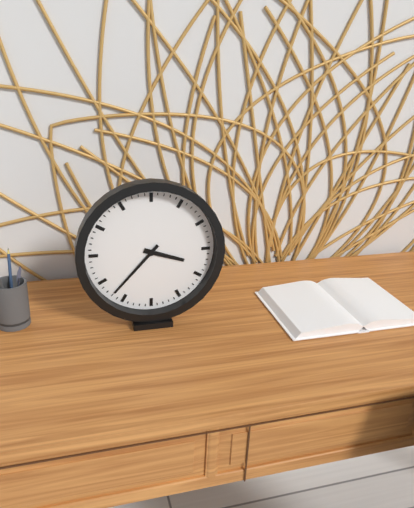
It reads 3h37
